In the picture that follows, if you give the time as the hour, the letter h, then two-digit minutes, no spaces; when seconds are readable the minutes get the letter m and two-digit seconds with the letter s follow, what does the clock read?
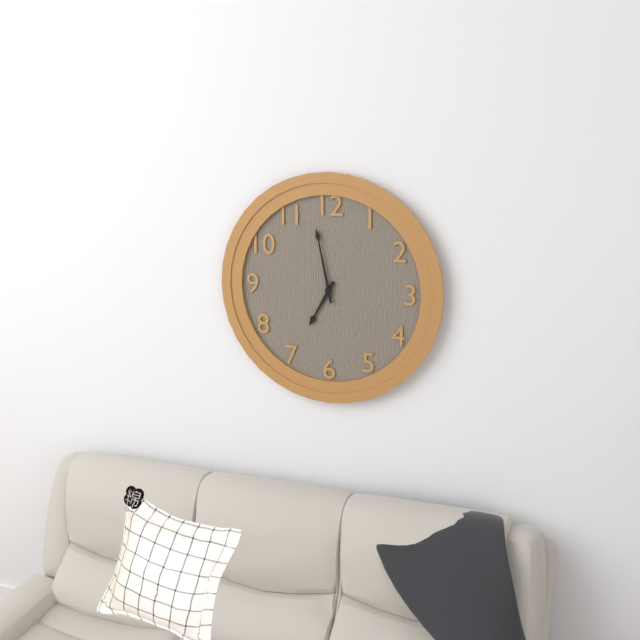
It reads 6h58
